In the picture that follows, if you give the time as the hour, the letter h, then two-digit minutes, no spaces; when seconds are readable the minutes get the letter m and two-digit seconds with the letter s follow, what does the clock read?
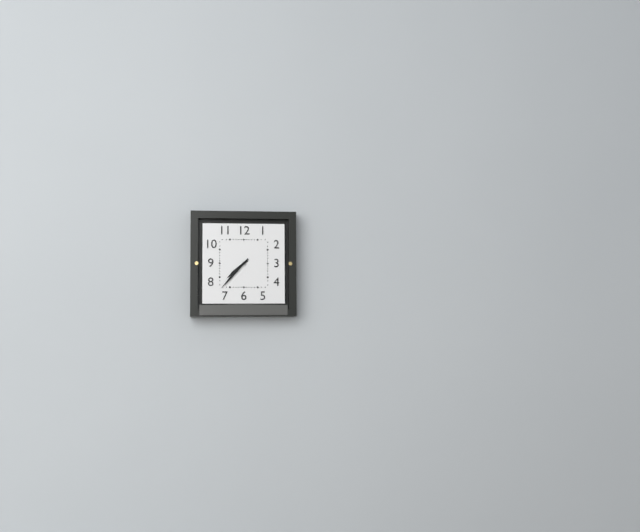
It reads 7h37
